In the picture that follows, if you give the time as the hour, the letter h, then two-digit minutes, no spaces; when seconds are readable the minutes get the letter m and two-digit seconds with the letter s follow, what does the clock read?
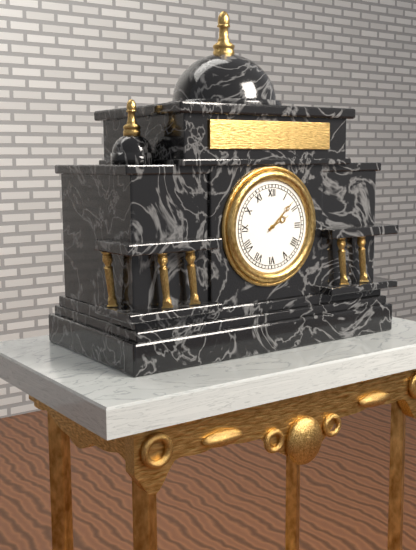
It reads 2h08
